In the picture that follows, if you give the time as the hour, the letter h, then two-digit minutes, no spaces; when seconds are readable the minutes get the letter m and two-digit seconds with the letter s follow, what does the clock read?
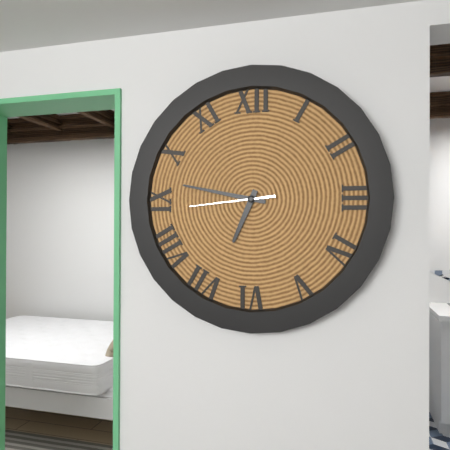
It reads 6h47m44s
